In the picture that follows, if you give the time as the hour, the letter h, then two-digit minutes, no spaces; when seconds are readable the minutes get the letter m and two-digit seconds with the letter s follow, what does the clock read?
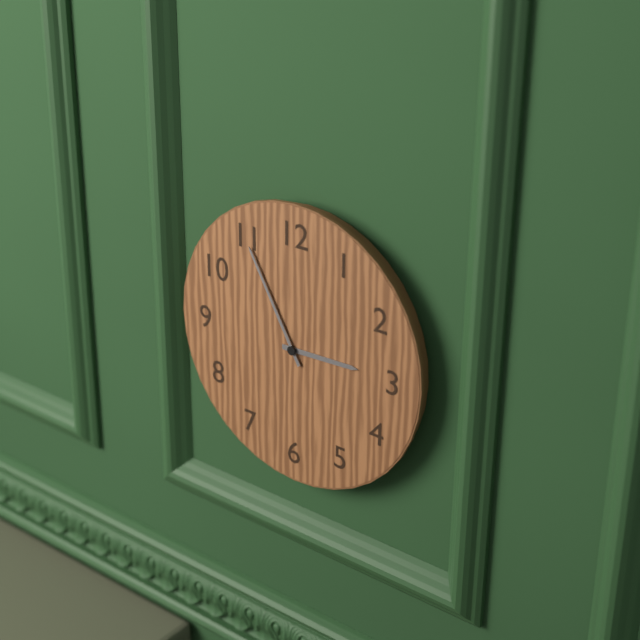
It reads 2h55
